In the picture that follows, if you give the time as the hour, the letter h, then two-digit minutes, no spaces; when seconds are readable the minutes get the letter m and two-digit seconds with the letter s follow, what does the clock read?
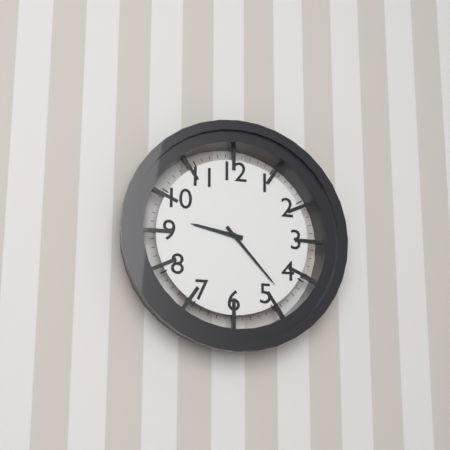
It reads 9h23
